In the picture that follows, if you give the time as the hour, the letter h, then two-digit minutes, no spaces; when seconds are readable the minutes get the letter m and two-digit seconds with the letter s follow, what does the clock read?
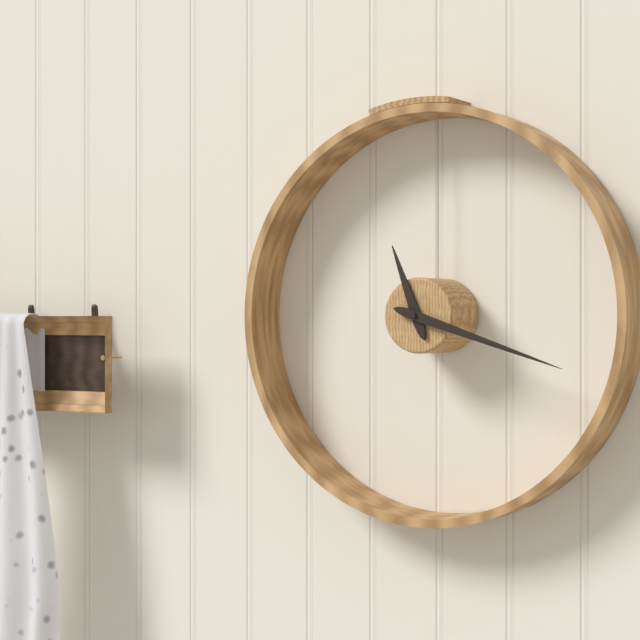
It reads 11h18
